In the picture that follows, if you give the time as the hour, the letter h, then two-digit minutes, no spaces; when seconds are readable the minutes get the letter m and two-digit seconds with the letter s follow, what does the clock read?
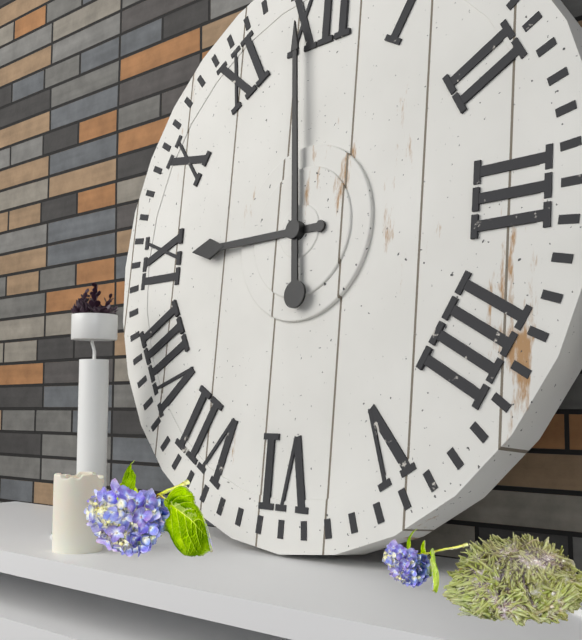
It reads 8h59
